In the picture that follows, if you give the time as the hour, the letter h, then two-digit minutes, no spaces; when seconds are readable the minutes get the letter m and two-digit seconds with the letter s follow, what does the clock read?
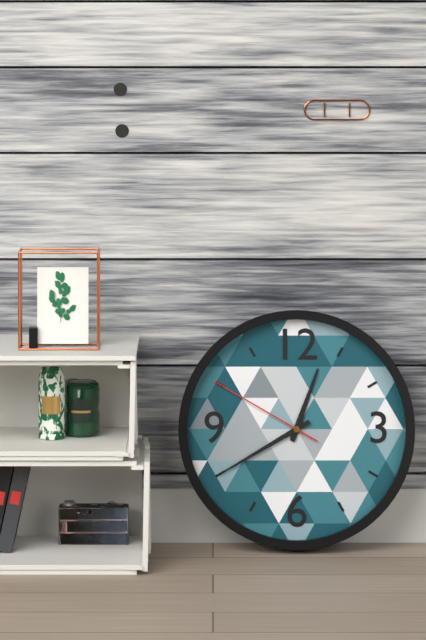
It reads 12h40m50s
